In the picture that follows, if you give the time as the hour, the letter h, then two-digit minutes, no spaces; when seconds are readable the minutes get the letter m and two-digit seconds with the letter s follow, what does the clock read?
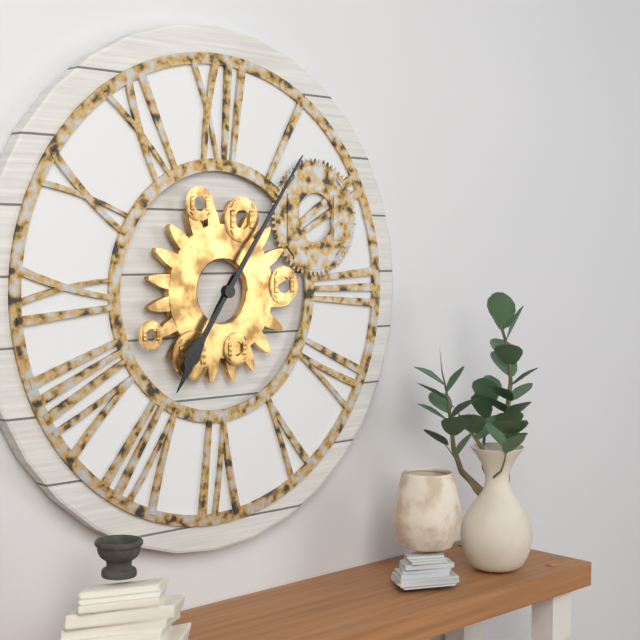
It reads 7h06
